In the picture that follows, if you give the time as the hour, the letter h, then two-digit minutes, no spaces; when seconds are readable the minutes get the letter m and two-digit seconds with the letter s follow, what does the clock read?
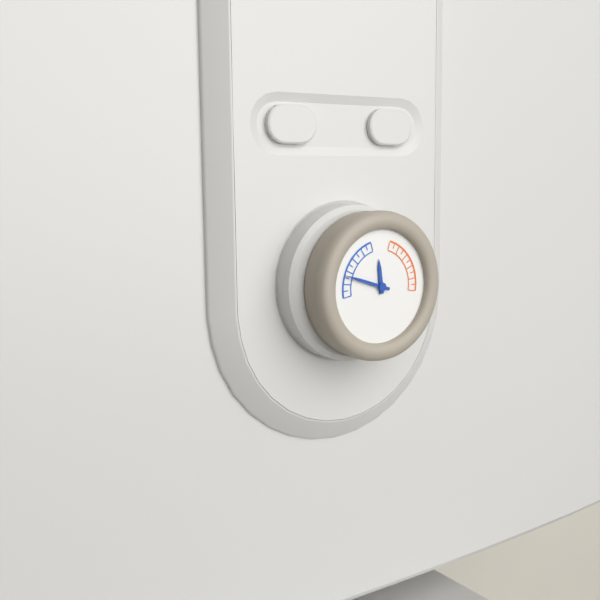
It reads 11h48
